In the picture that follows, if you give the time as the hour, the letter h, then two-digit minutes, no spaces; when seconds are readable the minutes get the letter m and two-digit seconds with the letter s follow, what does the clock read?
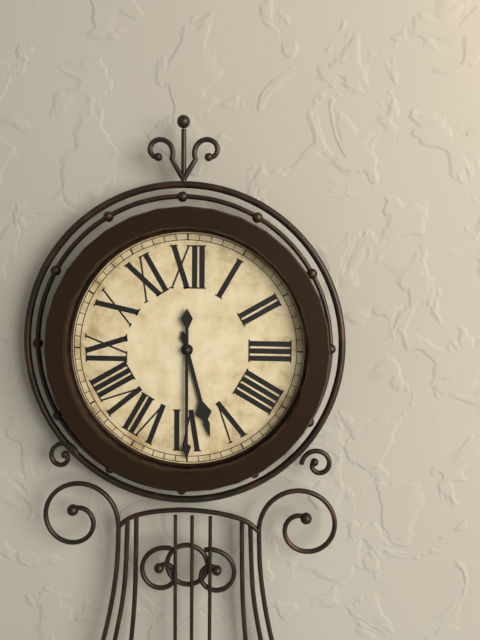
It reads 5h30
